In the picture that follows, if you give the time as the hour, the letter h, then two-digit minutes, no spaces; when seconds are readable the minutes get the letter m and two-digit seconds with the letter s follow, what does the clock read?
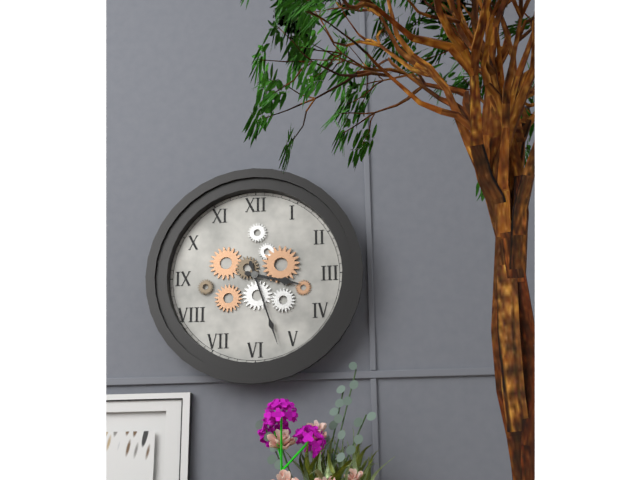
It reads 3h27
